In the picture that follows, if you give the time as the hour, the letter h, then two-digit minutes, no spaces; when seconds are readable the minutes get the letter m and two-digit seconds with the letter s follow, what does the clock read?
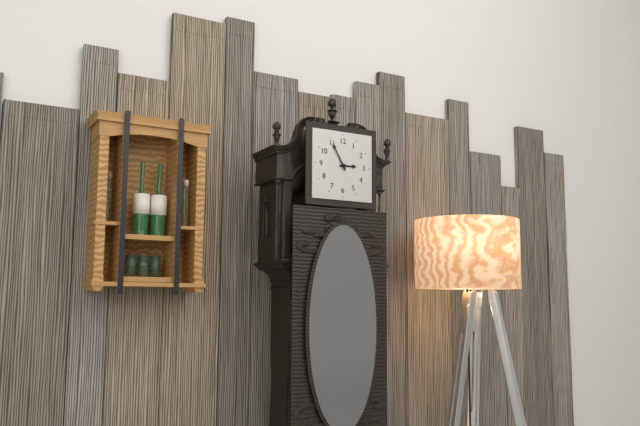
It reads 2h55
